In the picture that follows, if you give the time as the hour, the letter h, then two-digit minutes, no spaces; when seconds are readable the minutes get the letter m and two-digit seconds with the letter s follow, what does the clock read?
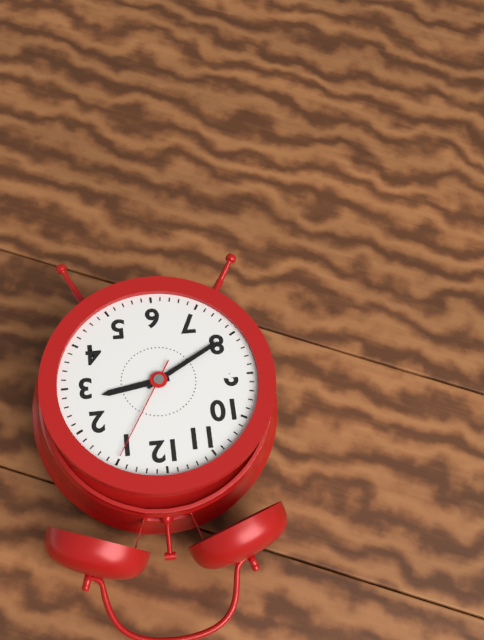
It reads 2h40m05s
